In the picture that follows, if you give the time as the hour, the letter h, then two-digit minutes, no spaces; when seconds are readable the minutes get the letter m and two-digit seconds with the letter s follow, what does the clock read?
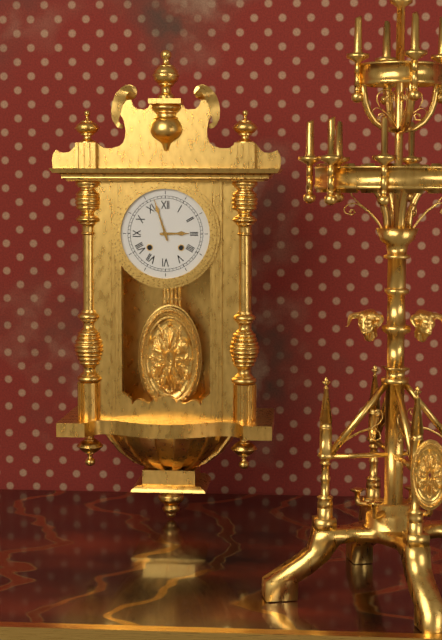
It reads 2h57
